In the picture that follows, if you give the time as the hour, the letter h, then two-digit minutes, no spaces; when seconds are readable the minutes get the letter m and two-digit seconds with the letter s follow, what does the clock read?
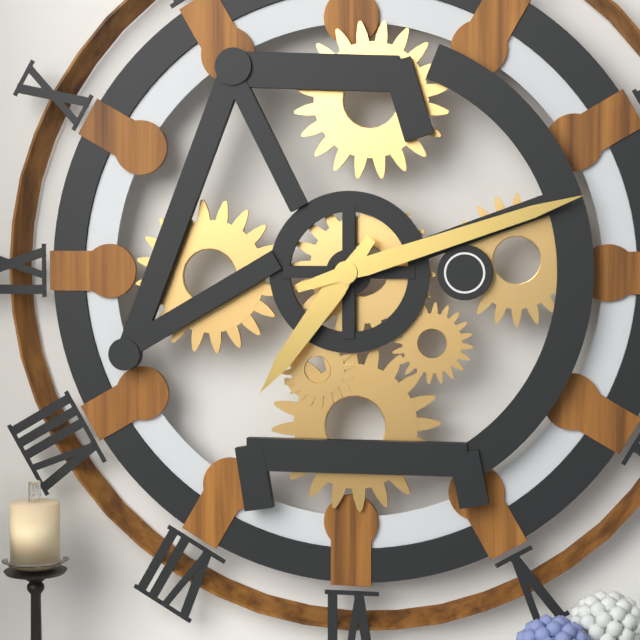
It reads 7h12
